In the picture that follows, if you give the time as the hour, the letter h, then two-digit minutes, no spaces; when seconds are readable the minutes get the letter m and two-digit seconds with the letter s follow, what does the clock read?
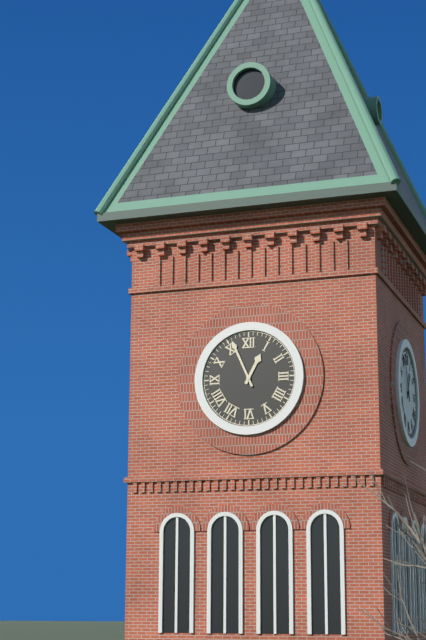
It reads 12h56
